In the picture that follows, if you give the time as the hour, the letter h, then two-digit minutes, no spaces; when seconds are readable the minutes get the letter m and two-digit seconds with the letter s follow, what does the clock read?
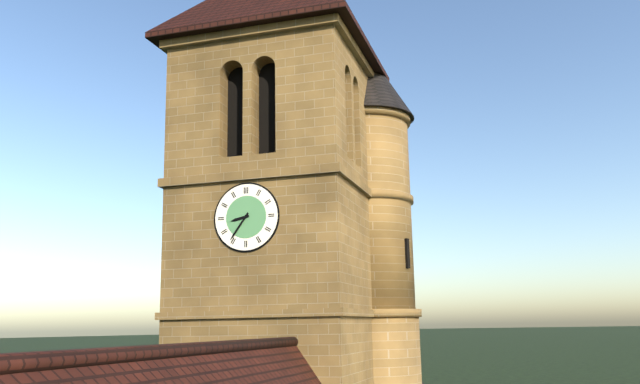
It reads 8h36
